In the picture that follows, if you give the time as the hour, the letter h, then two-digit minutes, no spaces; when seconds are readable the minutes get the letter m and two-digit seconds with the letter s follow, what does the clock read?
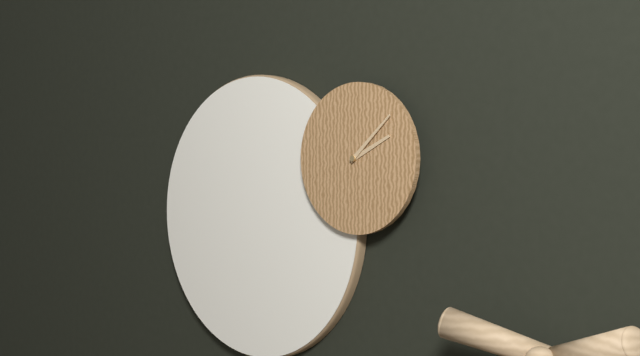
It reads 2h08
